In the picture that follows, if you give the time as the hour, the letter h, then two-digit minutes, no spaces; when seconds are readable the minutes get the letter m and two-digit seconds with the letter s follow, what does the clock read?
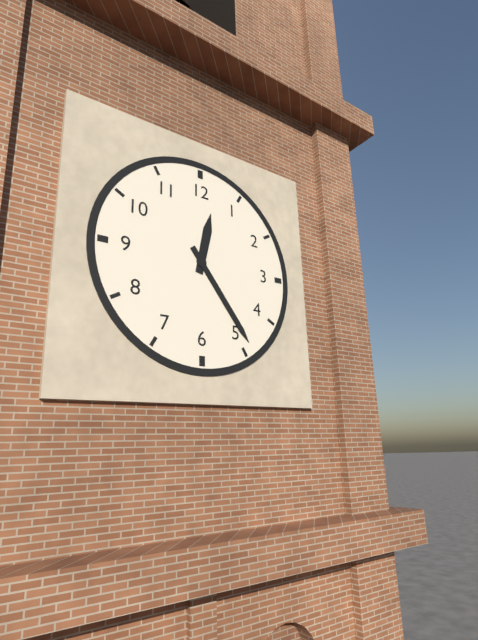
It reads 12h24
